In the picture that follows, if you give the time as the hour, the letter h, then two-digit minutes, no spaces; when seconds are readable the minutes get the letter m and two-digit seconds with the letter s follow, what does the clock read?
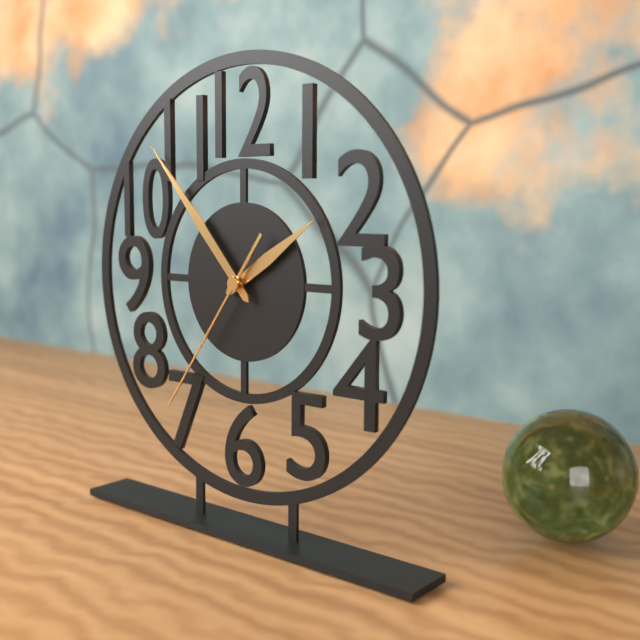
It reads 1h53m36s
